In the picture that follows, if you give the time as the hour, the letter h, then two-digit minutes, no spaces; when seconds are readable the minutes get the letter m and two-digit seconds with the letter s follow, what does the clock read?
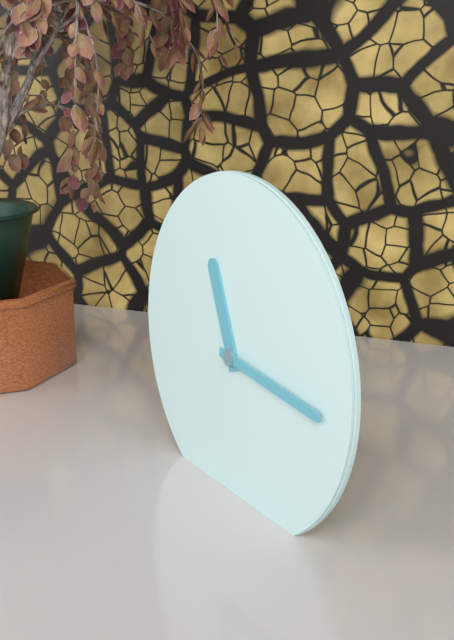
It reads 11h16
